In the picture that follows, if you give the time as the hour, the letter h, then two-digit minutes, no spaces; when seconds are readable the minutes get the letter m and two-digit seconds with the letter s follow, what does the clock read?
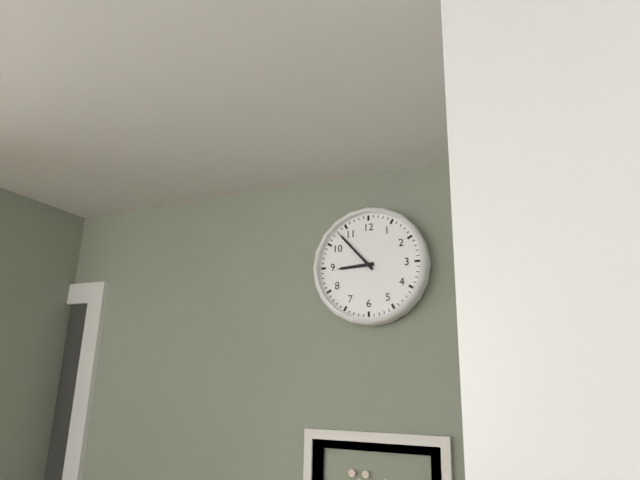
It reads 8h53
